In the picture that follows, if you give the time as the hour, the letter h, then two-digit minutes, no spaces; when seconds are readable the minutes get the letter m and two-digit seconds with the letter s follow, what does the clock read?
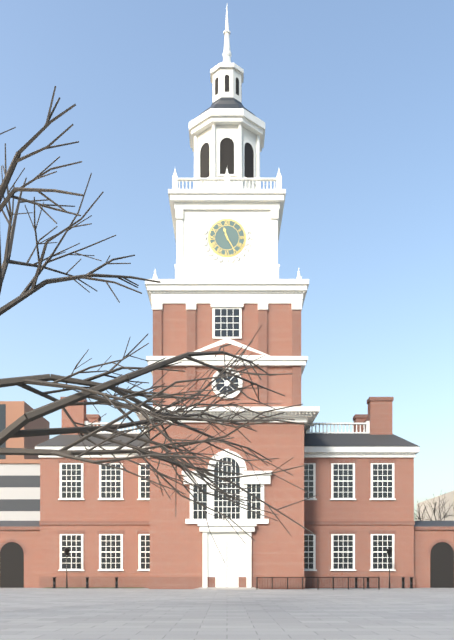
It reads 11h25
